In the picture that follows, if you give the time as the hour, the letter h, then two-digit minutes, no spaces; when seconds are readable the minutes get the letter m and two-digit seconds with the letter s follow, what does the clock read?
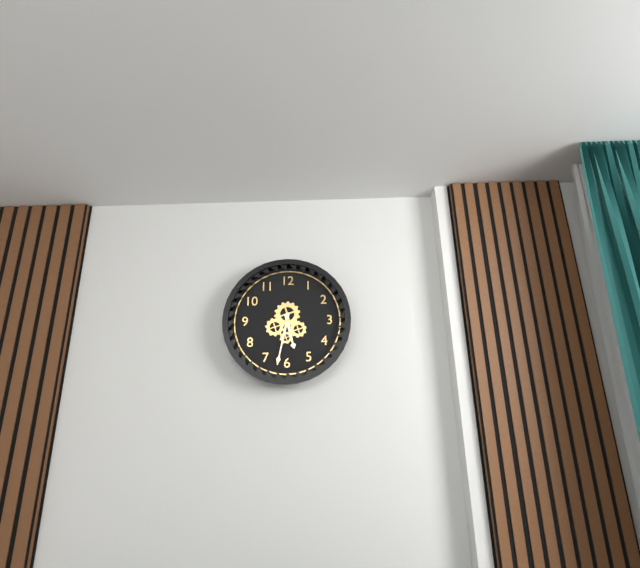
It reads 5h32
